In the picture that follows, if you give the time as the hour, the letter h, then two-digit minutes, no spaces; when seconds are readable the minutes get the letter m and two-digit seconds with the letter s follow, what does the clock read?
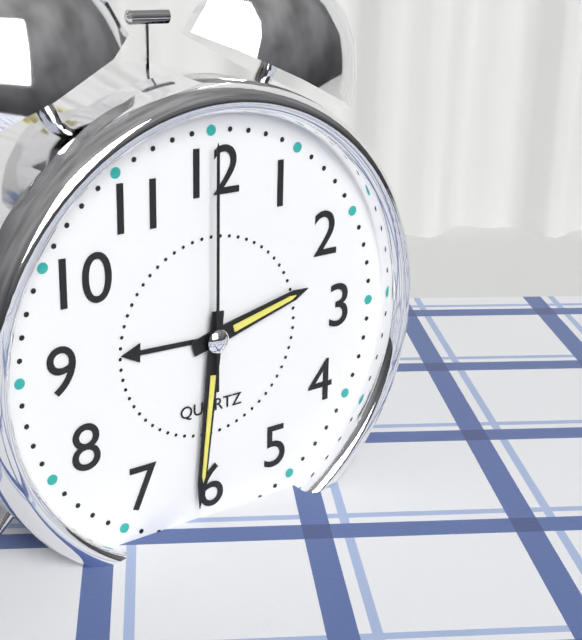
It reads 2h31m00s
